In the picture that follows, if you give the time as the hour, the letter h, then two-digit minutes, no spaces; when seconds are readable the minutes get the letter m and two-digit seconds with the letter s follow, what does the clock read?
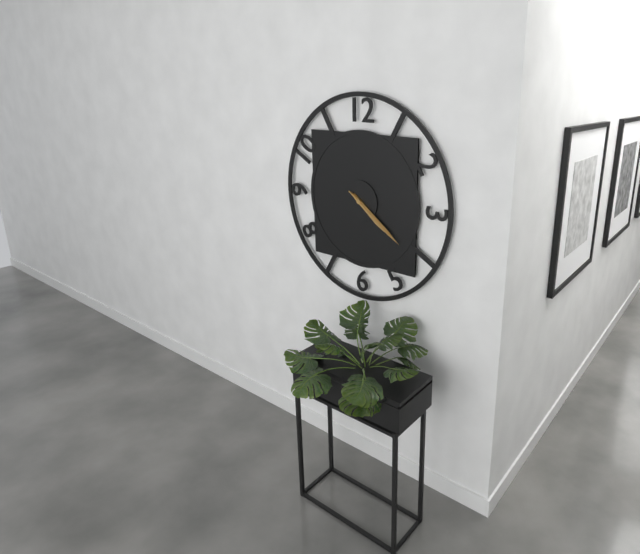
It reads 4h21m21s
